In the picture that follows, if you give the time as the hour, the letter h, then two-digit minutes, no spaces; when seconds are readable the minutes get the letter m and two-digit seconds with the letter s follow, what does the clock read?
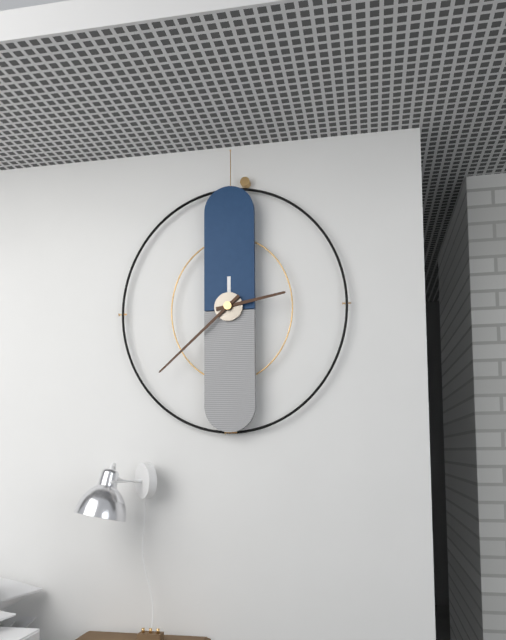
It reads 2h38
